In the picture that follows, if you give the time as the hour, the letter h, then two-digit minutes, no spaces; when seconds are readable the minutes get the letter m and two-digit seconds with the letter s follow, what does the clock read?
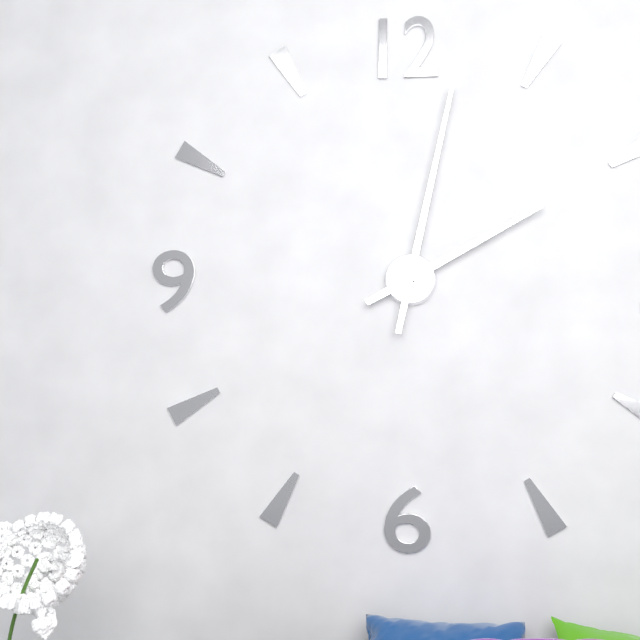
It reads 2h02
